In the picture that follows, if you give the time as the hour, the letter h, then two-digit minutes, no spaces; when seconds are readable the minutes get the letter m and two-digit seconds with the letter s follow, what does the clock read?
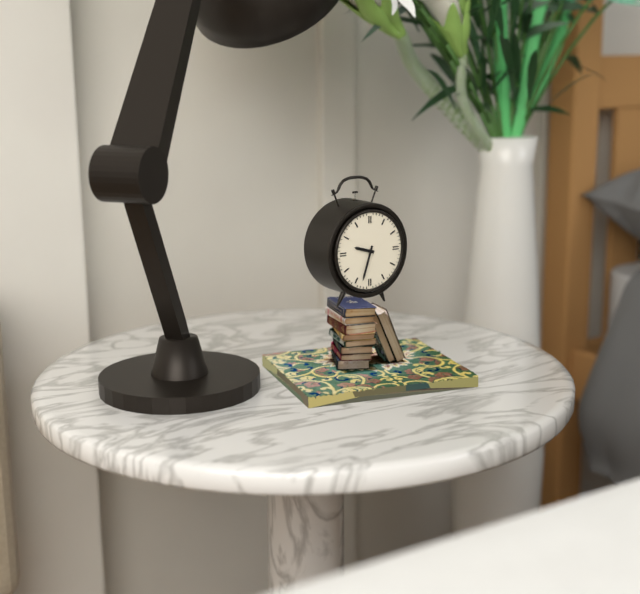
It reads 9h33
